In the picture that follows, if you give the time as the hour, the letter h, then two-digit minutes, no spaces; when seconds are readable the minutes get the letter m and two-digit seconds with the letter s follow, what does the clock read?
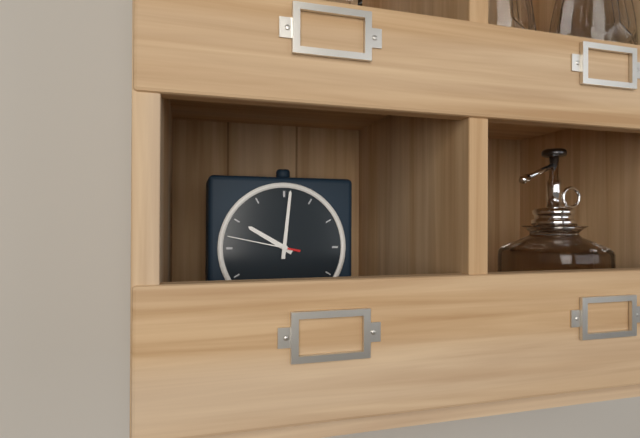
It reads 10h01m47s
